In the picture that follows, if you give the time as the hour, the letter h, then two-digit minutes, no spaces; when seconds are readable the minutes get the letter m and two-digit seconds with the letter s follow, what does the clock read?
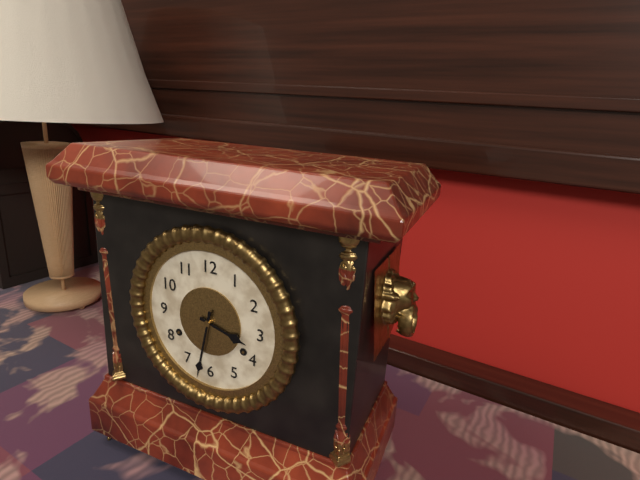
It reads 3h32
